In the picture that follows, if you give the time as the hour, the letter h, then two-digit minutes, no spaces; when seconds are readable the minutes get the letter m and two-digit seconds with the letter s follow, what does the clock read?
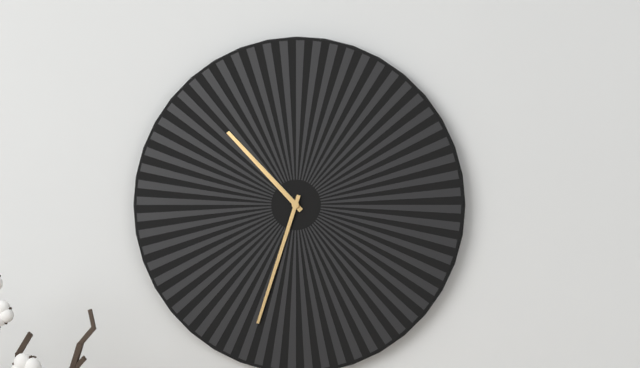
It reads 10h33
